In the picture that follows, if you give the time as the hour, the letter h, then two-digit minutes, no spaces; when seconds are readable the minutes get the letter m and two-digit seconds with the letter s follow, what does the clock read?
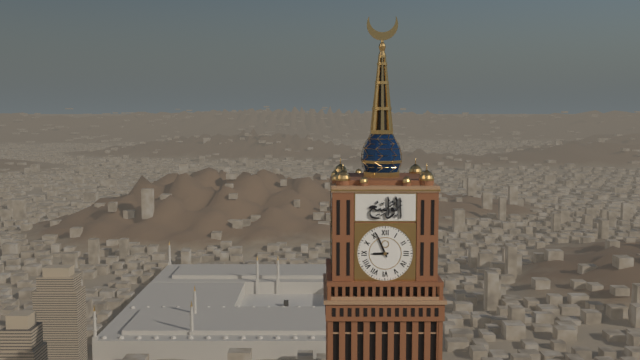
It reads 8h56
